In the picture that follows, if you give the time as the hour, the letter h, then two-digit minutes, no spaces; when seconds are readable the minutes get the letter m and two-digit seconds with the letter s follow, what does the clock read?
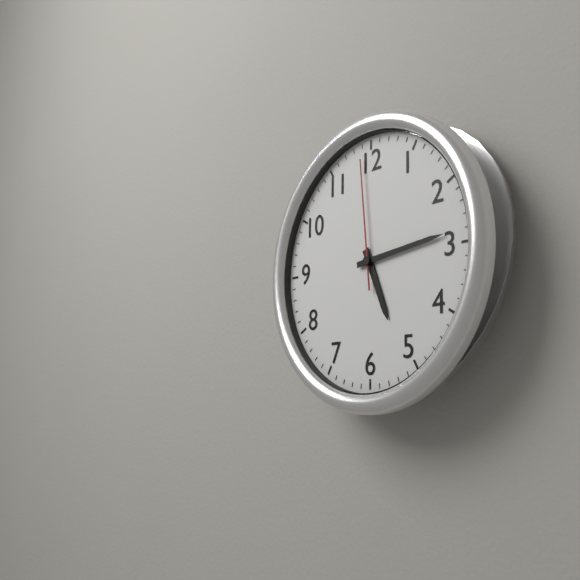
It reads 5h14m59s
